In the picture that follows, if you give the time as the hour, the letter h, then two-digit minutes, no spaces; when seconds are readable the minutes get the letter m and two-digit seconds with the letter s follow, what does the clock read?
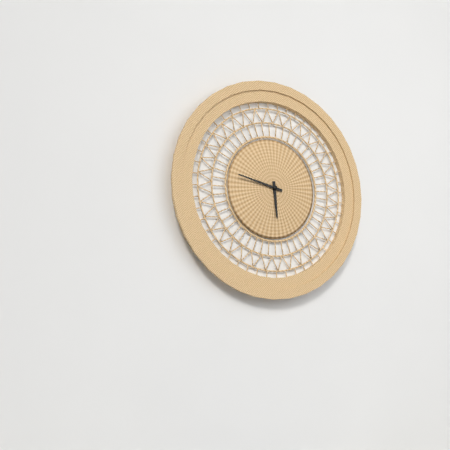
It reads 5h47
